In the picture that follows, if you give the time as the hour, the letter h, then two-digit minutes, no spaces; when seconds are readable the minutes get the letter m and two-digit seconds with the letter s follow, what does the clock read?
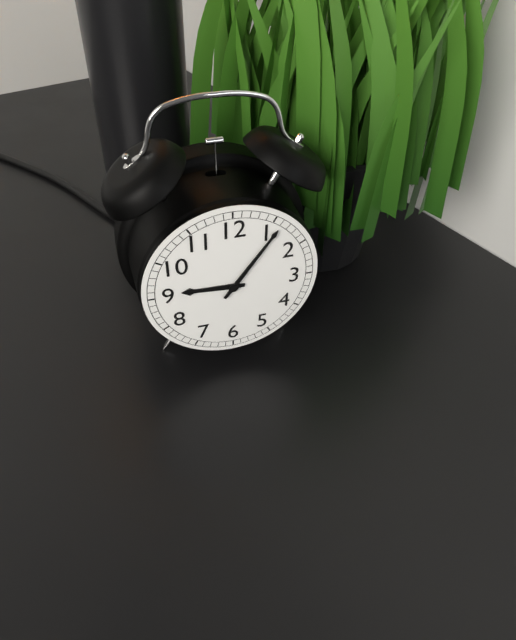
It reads 9h06
